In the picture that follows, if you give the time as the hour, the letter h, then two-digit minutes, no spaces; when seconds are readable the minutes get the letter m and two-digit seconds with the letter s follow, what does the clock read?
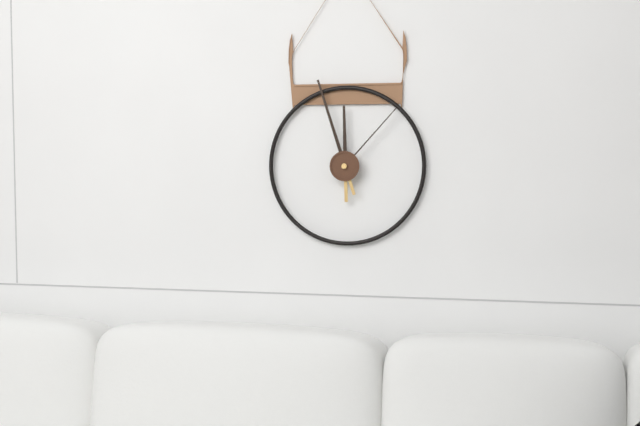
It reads 11h57m07s
